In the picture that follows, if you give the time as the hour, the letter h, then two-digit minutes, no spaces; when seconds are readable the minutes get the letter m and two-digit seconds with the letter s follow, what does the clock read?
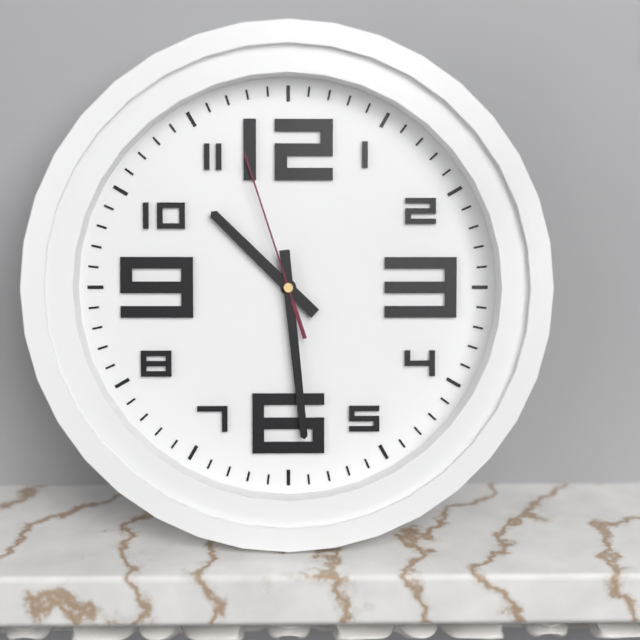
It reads 10h29m57s
